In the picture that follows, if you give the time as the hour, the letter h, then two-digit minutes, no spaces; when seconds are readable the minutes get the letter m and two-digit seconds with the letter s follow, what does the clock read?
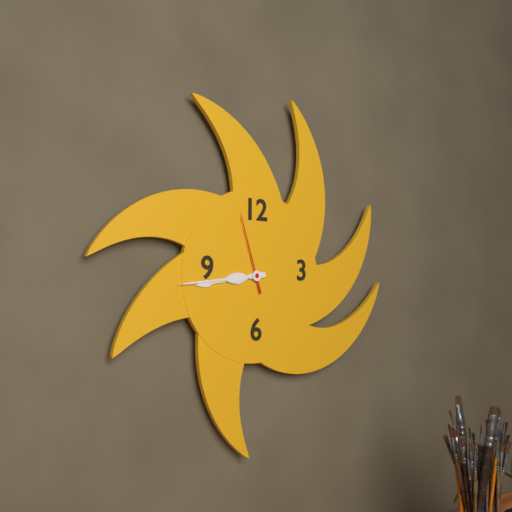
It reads 8h44m57s
